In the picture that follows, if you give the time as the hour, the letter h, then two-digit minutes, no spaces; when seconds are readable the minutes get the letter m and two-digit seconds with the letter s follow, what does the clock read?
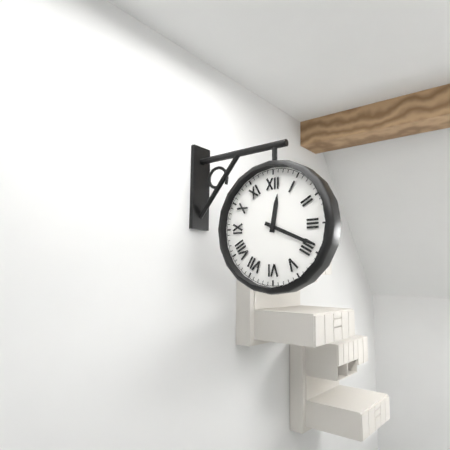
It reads 12h19
